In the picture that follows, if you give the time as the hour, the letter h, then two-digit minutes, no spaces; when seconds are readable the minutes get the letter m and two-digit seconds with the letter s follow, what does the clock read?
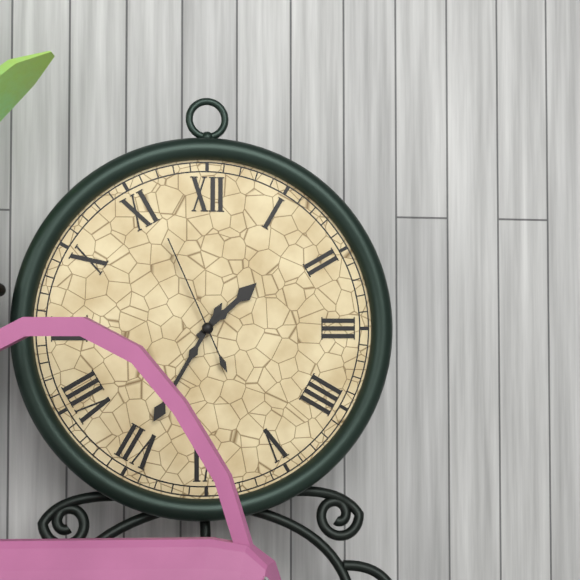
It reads 1h35m56s
